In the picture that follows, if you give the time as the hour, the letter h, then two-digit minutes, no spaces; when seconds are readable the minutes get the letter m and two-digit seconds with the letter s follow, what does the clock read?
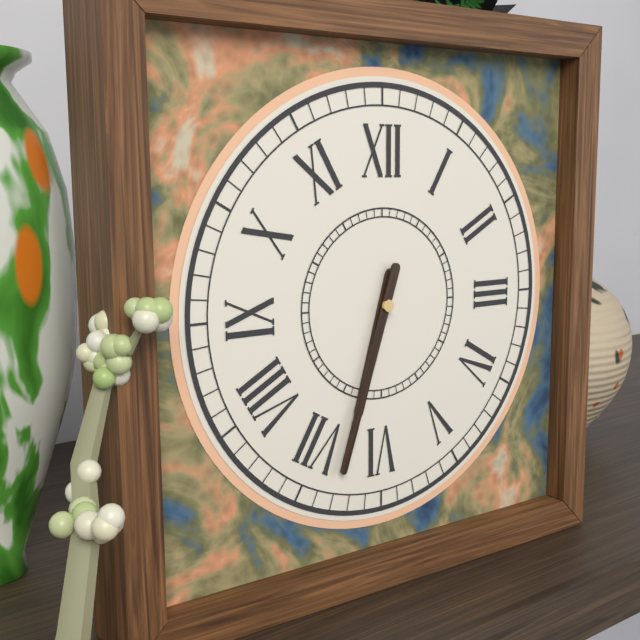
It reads 6h33
